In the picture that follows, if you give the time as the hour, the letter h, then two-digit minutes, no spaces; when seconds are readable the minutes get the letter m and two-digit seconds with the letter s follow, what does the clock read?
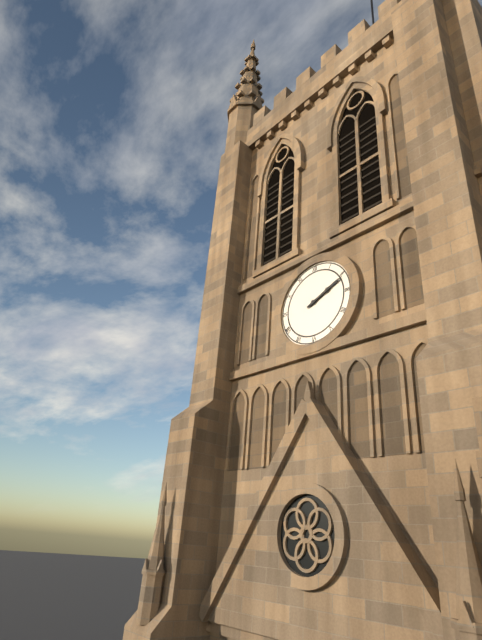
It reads 2h11
